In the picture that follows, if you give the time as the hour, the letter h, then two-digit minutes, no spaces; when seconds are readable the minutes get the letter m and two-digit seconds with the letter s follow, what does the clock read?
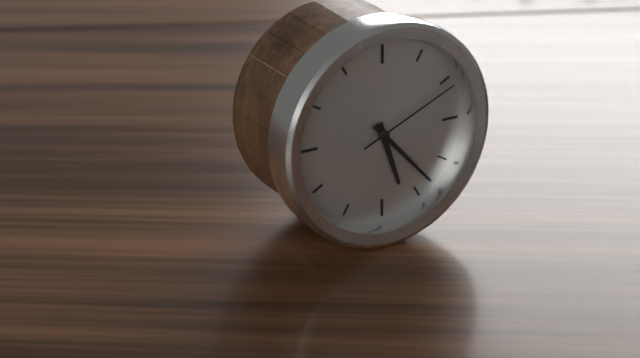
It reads 5h23m11s
